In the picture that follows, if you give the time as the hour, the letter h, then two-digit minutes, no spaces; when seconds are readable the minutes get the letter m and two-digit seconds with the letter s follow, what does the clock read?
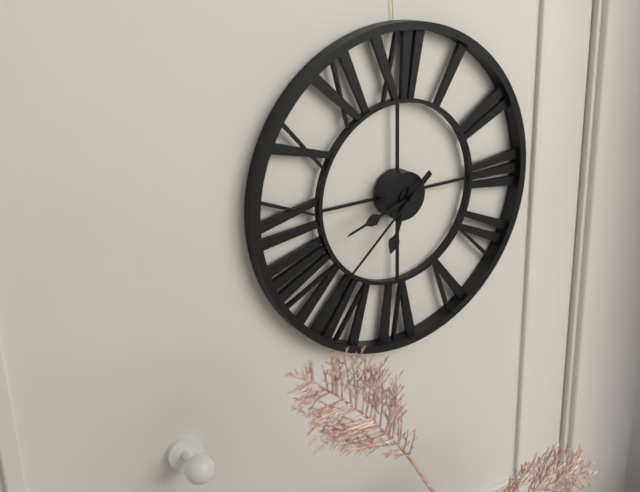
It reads 6h42m38s
